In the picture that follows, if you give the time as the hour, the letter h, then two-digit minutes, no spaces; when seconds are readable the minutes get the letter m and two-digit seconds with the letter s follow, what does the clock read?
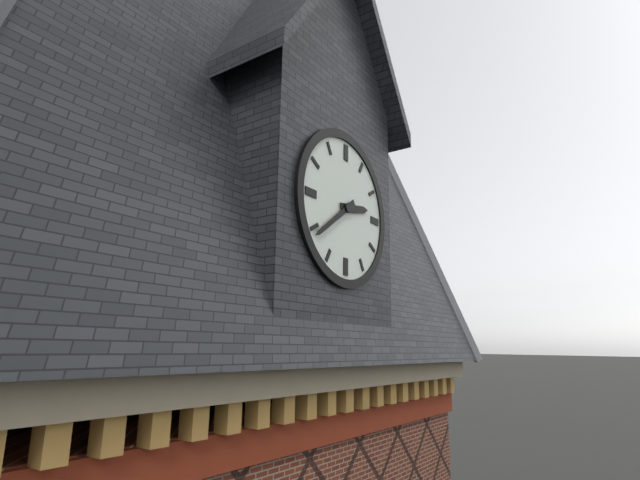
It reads 2h39
